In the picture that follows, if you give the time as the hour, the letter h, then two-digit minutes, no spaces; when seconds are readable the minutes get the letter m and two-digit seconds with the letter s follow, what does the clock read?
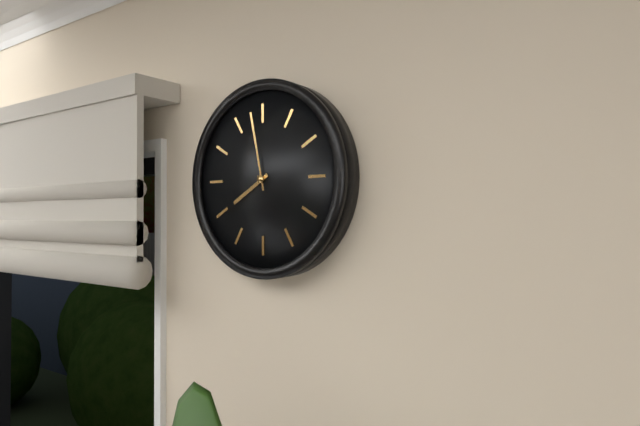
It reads 7h58
